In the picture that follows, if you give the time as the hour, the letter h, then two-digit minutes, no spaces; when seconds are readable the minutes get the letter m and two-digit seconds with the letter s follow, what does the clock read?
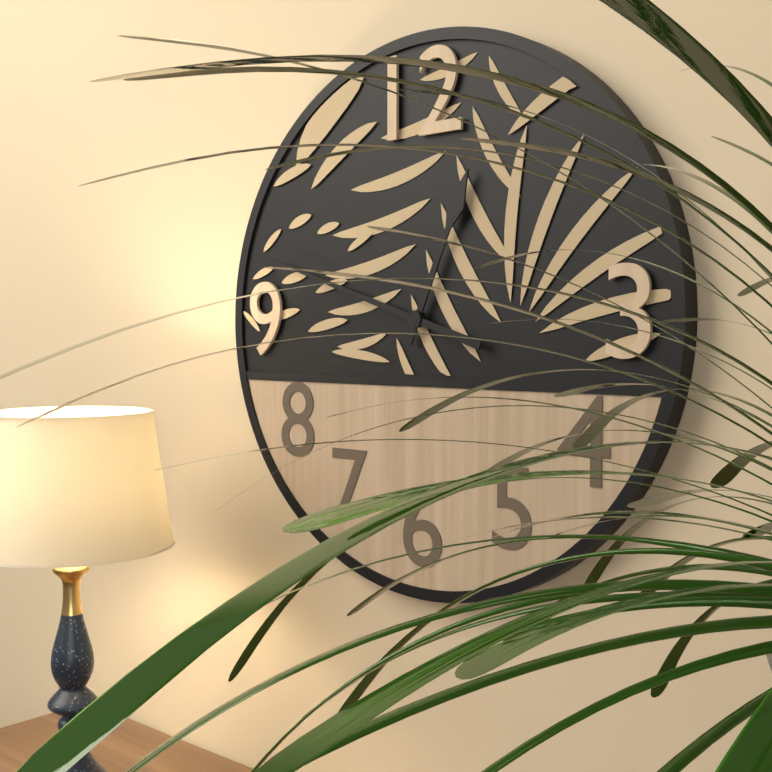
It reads 12h48
